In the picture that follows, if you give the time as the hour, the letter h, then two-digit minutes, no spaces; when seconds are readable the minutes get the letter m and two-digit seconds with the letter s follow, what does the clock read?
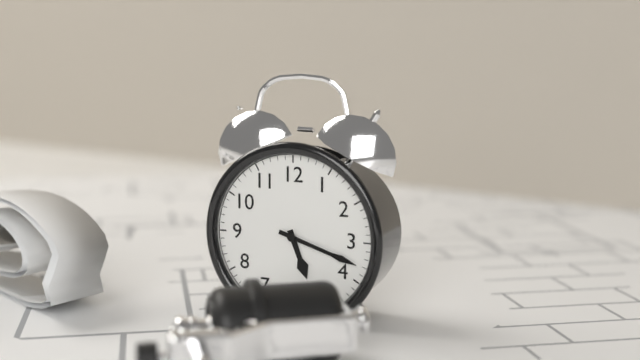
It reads 5h18
